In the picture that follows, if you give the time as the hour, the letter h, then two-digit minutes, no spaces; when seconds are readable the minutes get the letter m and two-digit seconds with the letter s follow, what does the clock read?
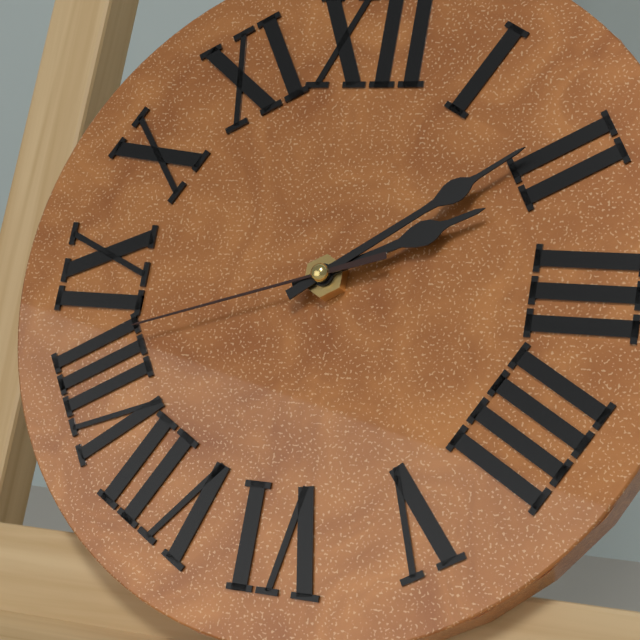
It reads 2h09m42s
